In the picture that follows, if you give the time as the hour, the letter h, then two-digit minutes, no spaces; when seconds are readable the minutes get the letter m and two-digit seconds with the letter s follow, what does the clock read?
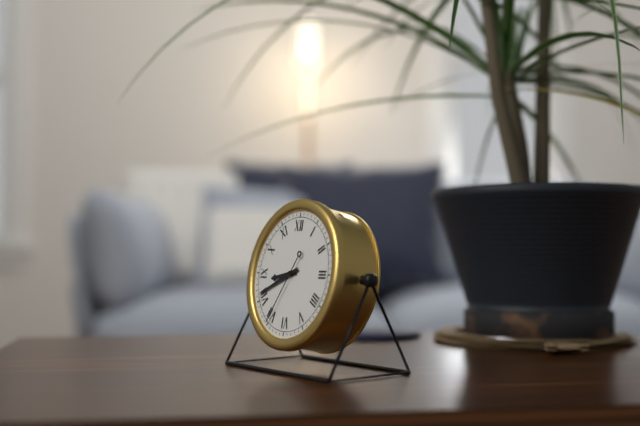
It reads 8h41m35s
